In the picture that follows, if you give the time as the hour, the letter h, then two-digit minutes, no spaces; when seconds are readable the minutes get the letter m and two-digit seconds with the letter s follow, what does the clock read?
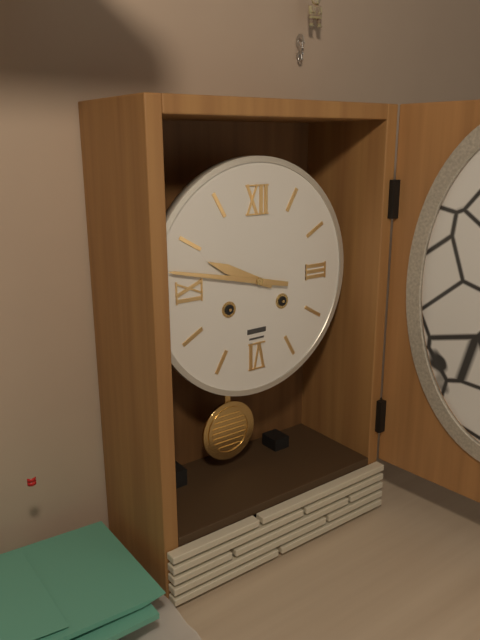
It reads 9h47
